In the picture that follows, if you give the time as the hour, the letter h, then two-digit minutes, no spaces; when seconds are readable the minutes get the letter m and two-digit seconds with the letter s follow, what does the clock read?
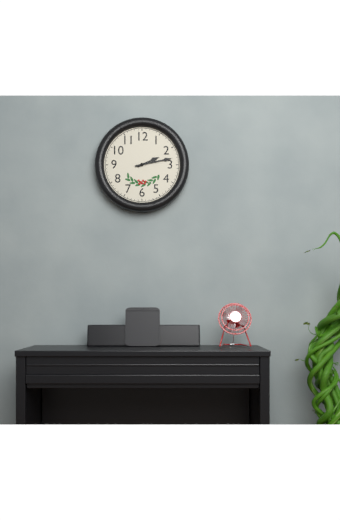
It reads 2h13
